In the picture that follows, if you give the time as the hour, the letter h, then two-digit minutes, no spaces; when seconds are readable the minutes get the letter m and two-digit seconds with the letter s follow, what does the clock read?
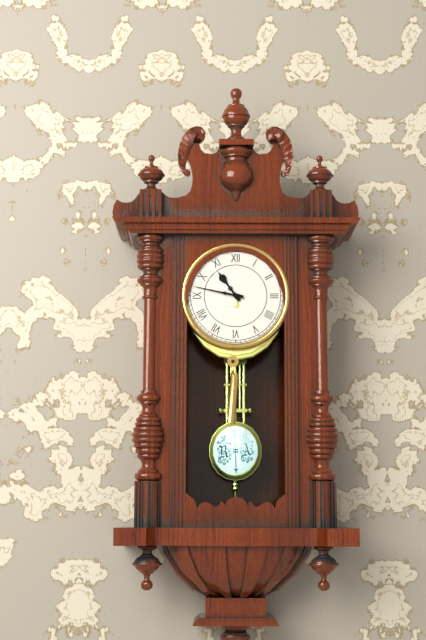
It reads 10h47
